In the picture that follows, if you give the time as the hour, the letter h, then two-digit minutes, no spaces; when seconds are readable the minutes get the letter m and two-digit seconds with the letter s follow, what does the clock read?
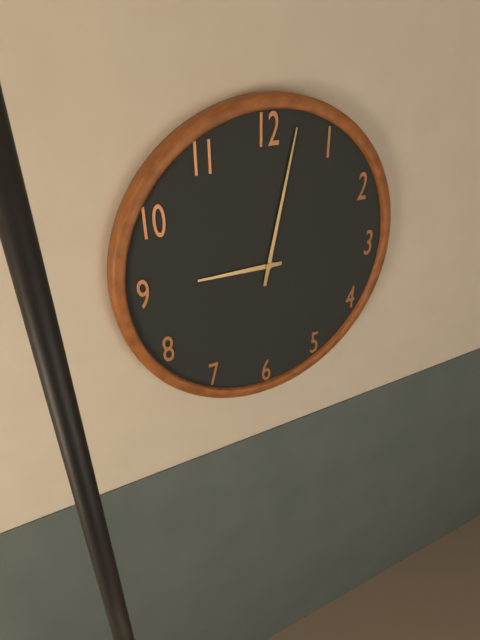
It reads 9h02
